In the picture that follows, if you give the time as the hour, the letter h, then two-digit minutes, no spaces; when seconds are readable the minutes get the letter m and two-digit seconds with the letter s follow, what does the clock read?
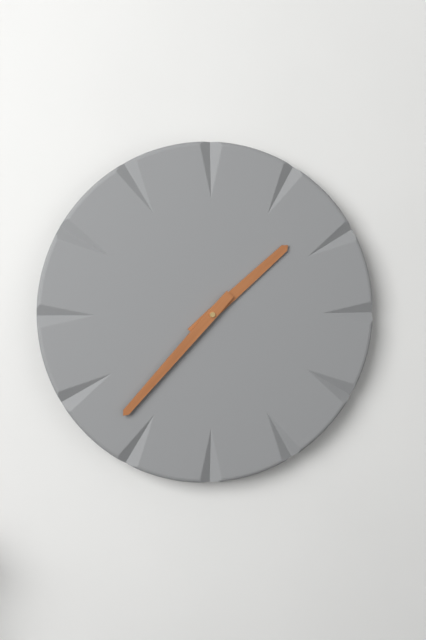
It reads 1h37
